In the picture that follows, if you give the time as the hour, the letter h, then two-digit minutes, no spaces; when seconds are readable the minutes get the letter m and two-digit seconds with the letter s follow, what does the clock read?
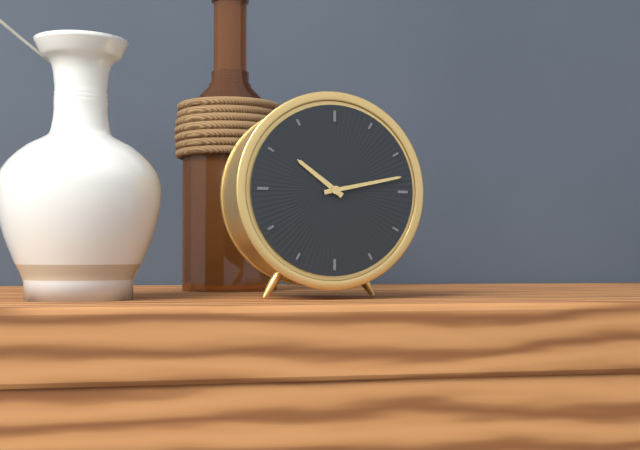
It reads 10h13
